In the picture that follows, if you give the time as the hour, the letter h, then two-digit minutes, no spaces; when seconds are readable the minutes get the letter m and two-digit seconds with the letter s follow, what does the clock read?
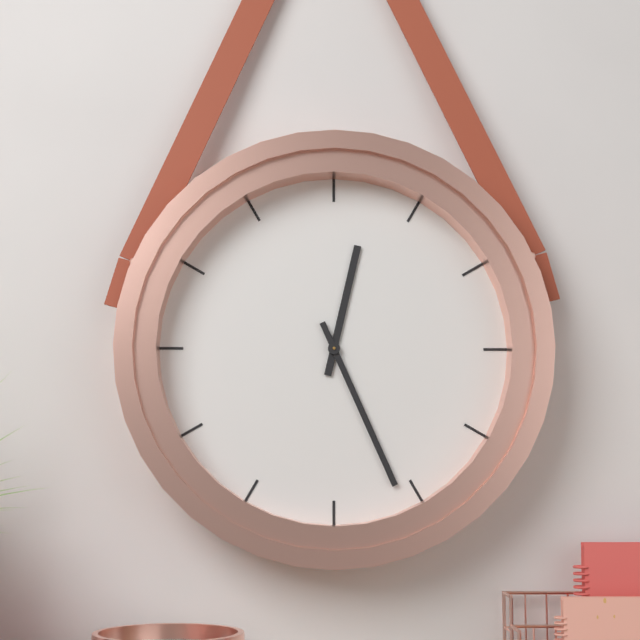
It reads 12h26
